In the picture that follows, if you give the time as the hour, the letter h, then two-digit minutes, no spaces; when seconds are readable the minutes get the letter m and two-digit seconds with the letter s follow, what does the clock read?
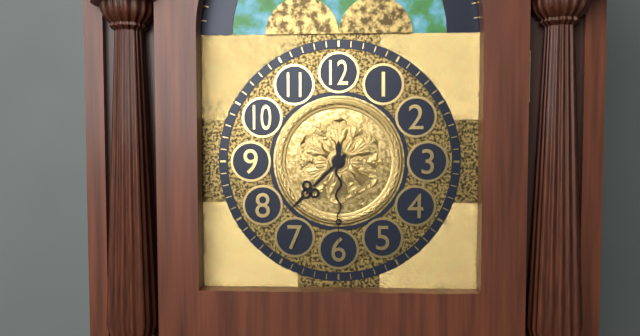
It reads 7h30
